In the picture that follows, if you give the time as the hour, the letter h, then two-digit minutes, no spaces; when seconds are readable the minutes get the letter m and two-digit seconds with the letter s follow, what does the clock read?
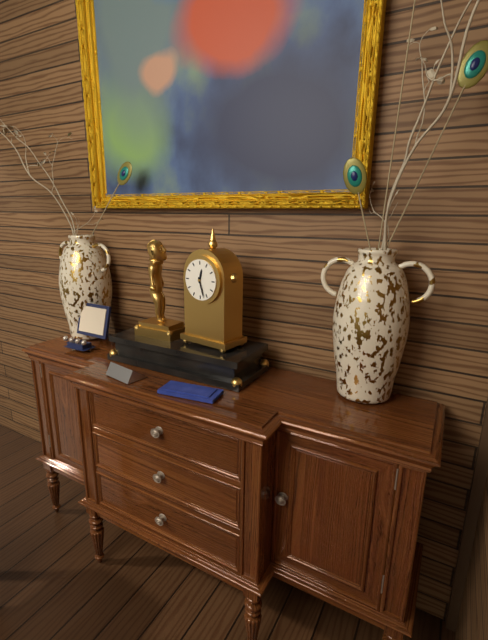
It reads 12h27
